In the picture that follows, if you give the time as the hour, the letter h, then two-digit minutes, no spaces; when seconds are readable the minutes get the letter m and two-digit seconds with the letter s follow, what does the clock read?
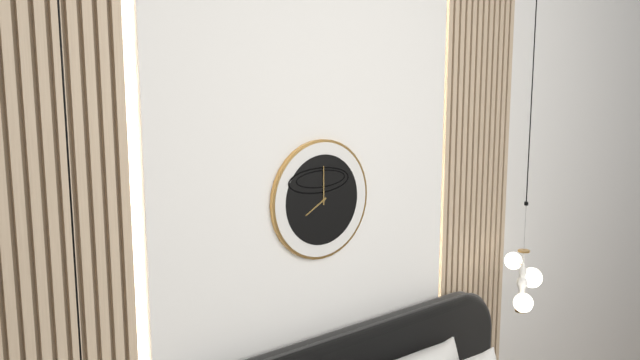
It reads 8h00
